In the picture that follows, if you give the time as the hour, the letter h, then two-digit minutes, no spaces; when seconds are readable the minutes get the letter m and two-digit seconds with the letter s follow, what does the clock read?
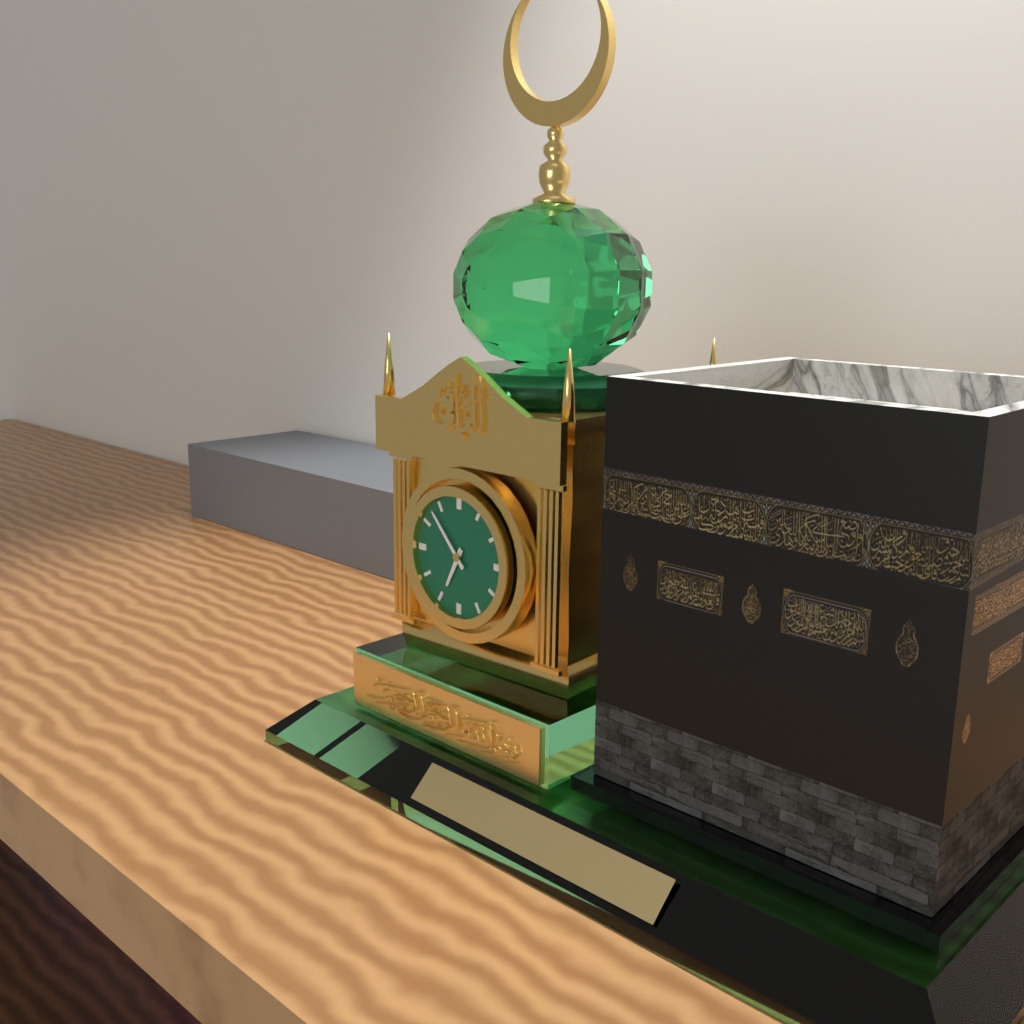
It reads 6h53
